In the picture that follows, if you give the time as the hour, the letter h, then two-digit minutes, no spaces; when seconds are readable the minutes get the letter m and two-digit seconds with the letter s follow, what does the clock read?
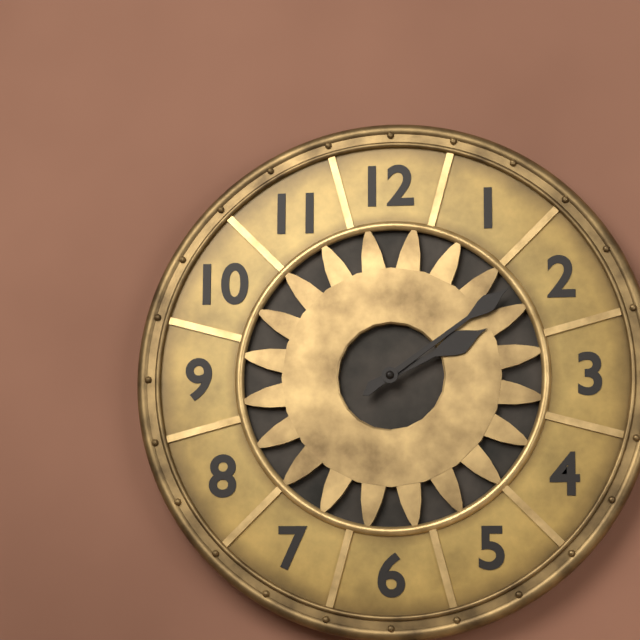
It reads 2h09
